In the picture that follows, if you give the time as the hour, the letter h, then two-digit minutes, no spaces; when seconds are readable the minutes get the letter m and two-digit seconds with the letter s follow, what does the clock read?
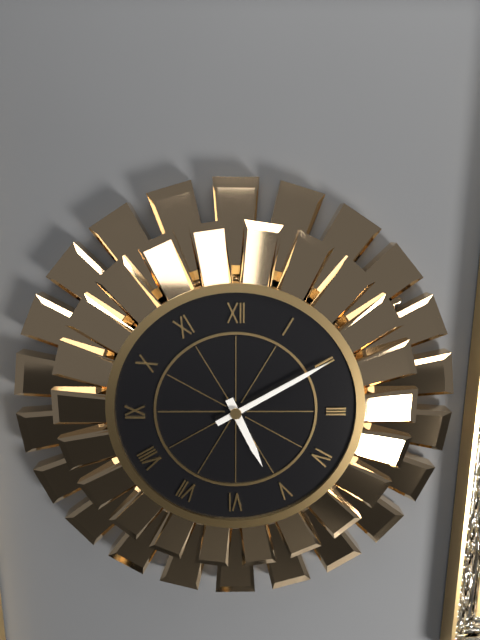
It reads 5h10
